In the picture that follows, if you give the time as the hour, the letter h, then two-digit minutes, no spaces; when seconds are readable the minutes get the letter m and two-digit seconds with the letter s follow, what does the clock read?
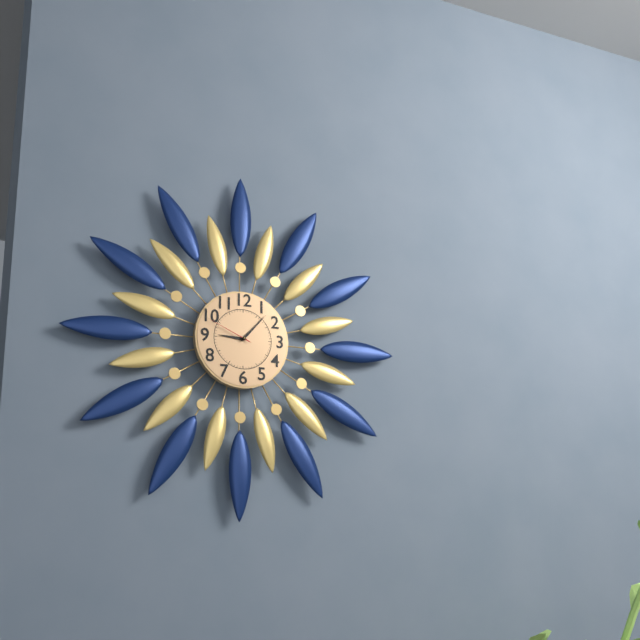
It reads 9h07m49s
